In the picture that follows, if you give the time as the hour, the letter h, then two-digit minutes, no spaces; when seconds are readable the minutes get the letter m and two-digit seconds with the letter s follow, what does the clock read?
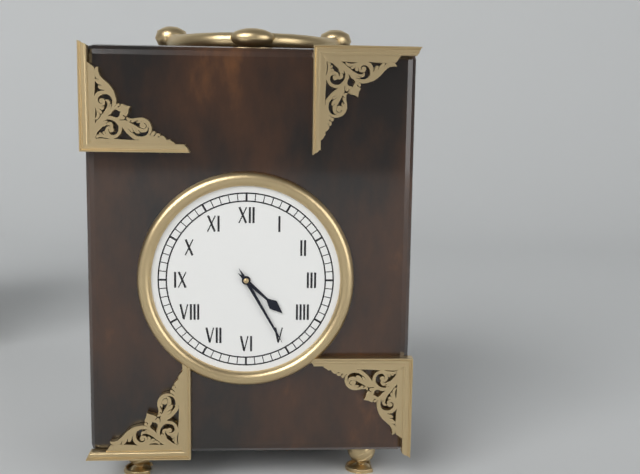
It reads 4h25
